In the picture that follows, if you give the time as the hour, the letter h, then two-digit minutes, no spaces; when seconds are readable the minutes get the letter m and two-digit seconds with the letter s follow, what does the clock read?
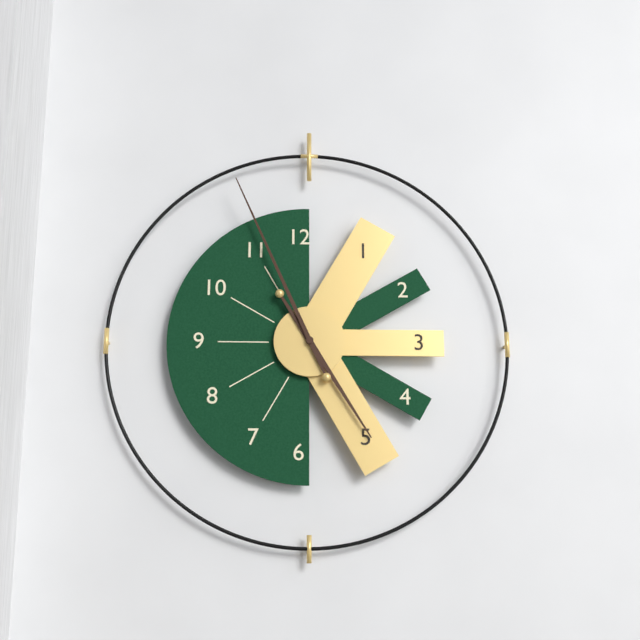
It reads 4h56
